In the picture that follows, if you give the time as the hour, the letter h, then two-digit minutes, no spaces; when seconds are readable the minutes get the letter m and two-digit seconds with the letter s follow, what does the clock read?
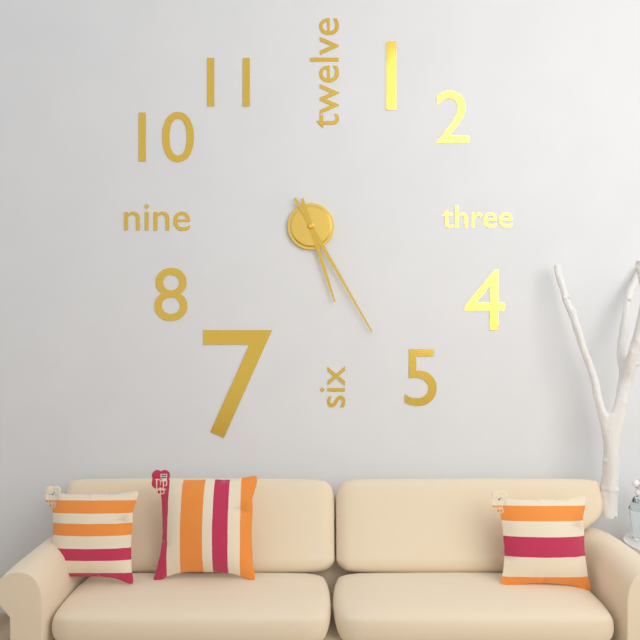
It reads 5h25
